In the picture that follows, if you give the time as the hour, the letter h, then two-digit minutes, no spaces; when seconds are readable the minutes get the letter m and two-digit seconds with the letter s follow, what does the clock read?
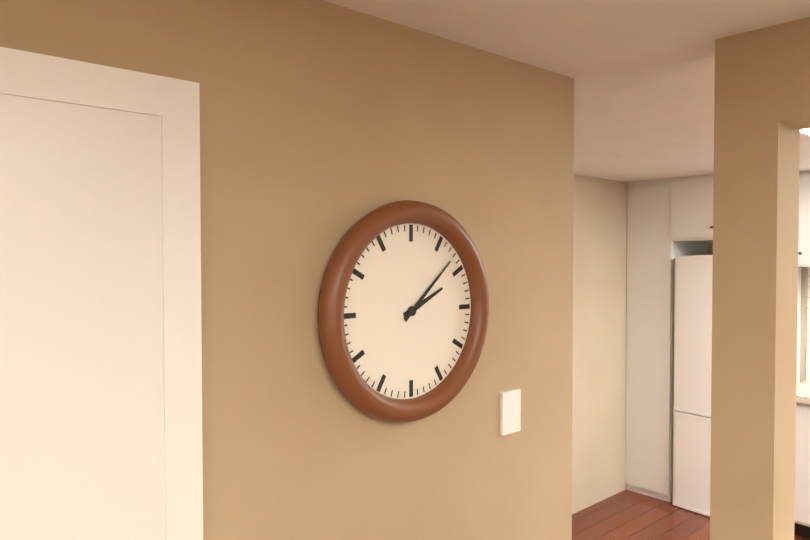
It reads 2h08
